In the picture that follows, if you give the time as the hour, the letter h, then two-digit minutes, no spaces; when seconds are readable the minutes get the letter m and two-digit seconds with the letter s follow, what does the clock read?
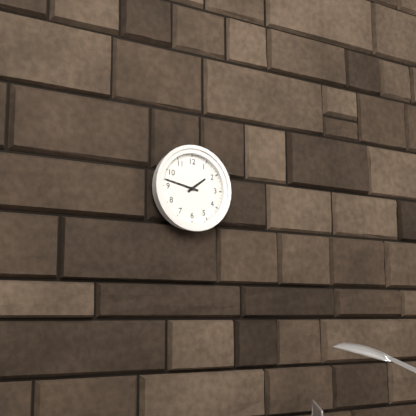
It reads 1h47
